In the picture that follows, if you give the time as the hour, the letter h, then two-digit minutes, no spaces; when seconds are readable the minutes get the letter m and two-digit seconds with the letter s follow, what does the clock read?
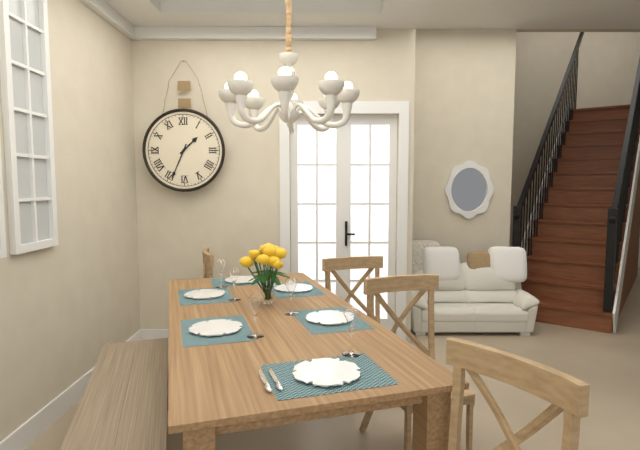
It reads 1h34
